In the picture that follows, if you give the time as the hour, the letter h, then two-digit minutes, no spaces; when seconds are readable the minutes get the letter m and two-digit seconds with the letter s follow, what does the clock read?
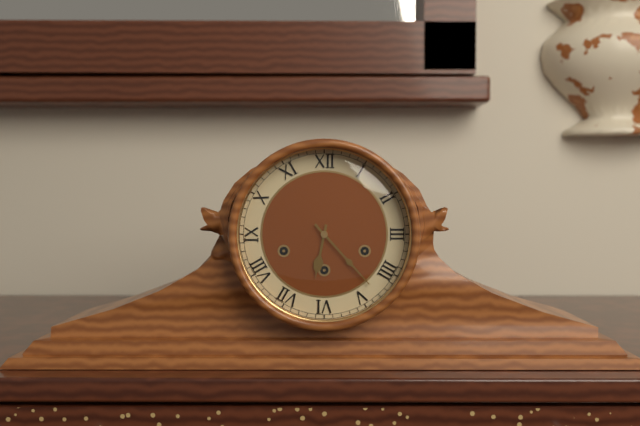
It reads 6h23
